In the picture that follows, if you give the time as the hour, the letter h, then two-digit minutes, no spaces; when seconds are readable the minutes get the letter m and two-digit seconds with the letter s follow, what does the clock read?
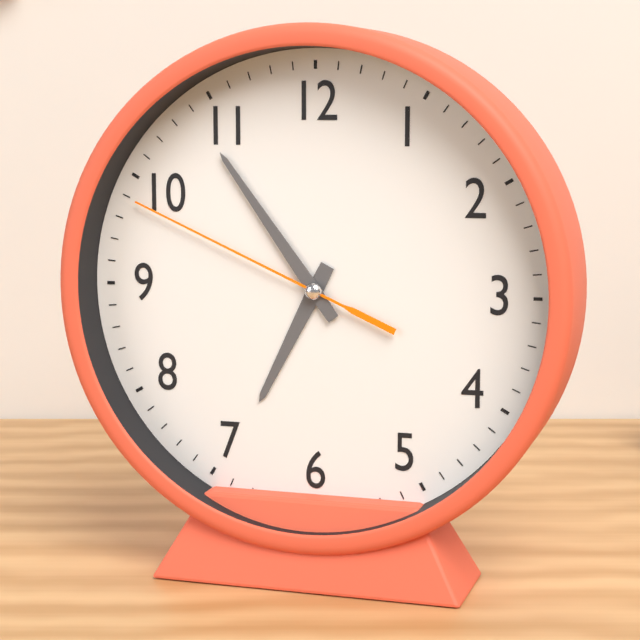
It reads 6h54m49s
